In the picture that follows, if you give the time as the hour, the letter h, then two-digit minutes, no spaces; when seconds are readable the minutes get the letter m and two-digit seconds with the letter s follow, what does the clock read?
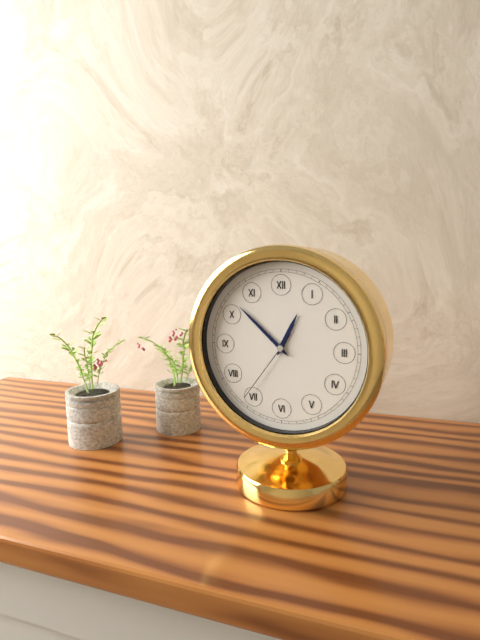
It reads 12h52m36s
